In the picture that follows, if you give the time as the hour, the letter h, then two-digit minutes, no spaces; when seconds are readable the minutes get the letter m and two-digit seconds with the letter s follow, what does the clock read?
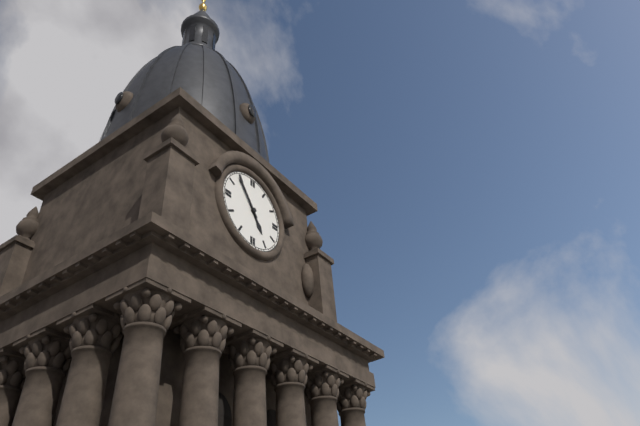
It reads 4h54
